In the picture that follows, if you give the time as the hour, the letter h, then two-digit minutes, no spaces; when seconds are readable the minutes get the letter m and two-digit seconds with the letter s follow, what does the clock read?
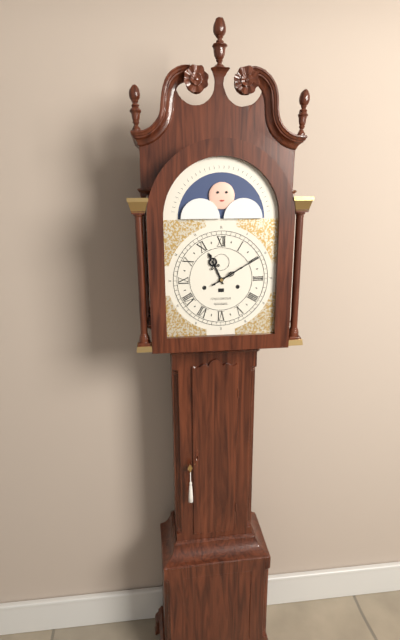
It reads 11h10
